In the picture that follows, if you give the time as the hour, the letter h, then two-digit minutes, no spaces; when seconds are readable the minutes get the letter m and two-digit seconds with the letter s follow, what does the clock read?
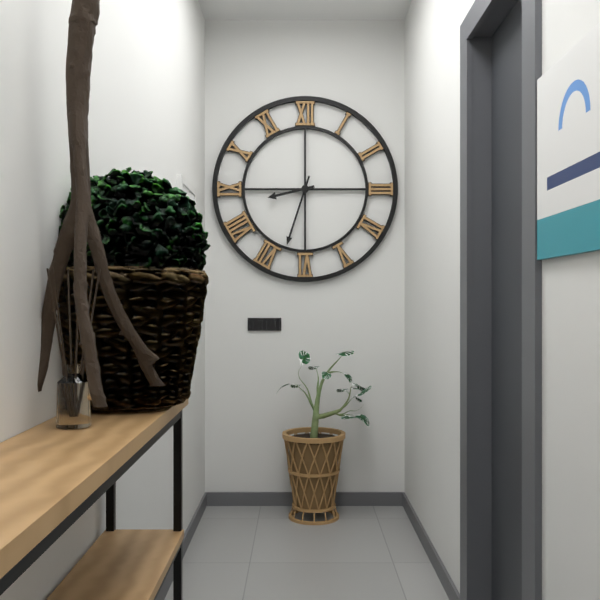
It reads 8h33
